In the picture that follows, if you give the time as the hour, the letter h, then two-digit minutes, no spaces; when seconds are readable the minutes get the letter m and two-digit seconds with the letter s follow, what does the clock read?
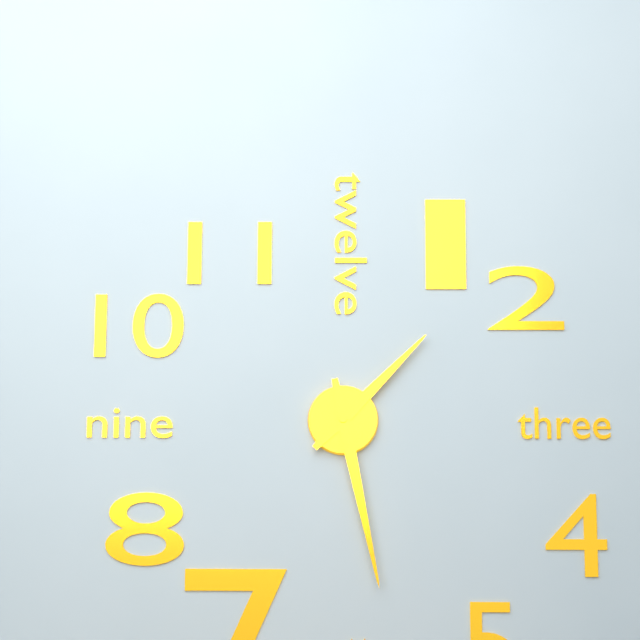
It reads 1h28
